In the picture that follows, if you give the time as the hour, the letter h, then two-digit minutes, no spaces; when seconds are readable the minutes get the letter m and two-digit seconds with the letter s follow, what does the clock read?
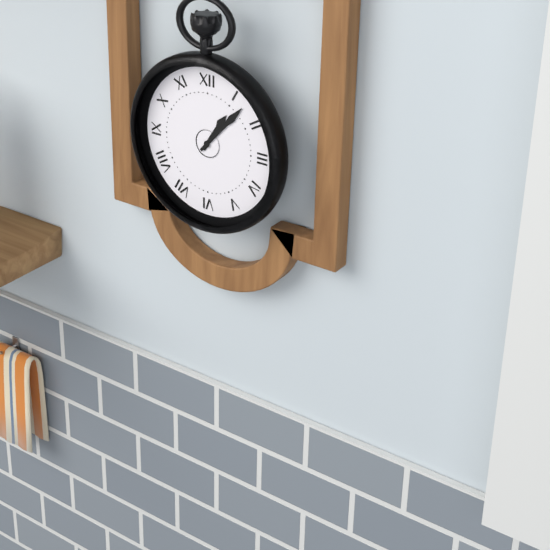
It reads 1h07
